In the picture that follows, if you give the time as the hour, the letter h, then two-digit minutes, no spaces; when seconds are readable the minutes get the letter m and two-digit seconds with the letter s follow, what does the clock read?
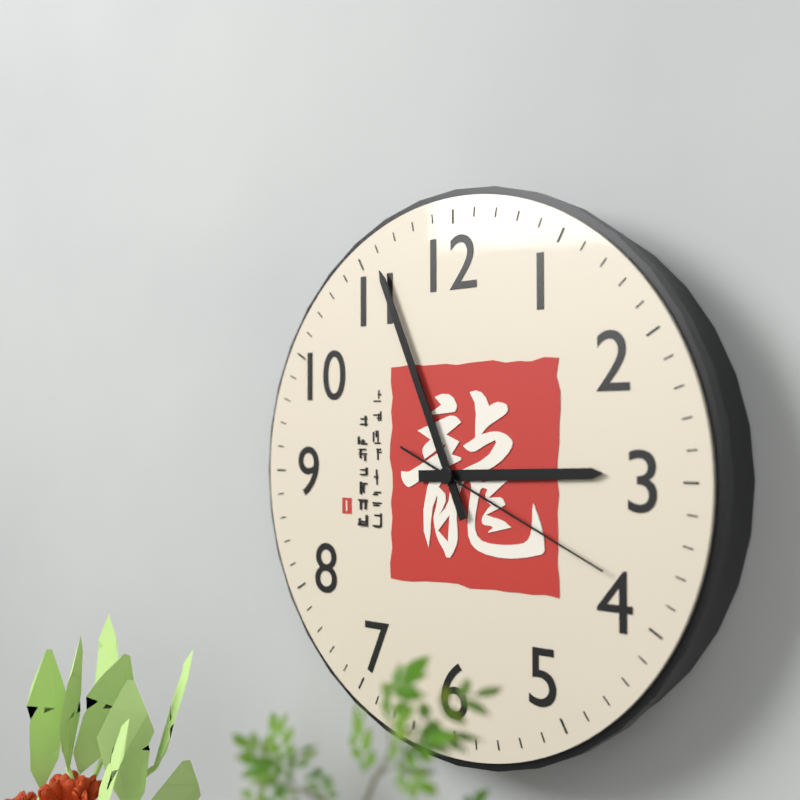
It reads 2h56m19s
